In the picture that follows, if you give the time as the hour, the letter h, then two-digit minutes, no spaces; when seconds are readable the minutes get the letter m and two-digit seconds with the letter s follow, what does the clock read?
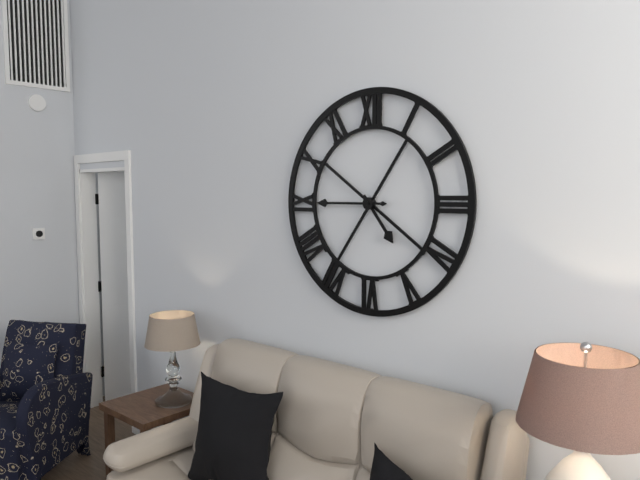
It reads 4h45
